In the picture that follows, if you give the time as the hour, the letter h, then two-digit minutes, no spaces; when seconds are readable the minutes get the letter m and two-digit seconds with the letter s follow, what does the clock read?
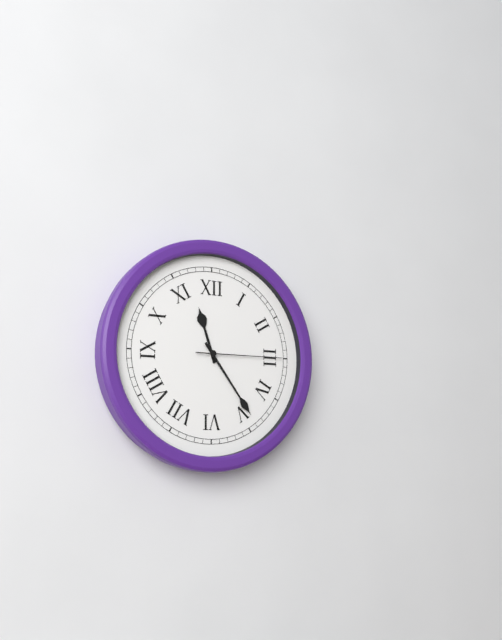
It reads 11h24m15s
